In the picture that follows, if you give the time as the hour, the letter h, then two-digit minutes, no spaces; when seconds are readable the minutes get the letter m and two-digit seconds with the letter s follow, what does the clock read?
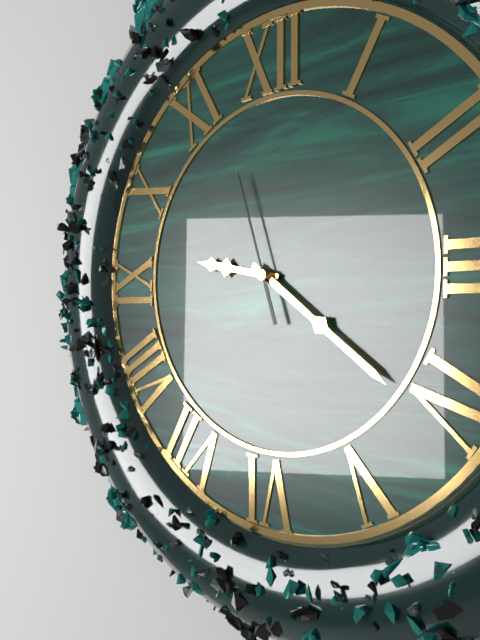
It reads 9h21m57s
